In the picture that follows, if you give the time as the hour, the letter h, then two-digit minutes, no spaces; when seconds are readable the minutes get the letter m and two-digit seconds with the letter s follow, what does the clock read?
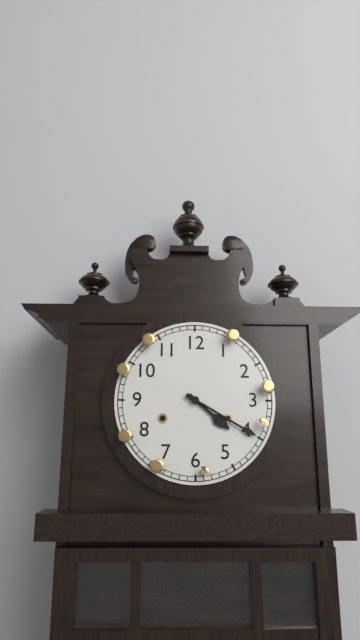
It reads 4h20
